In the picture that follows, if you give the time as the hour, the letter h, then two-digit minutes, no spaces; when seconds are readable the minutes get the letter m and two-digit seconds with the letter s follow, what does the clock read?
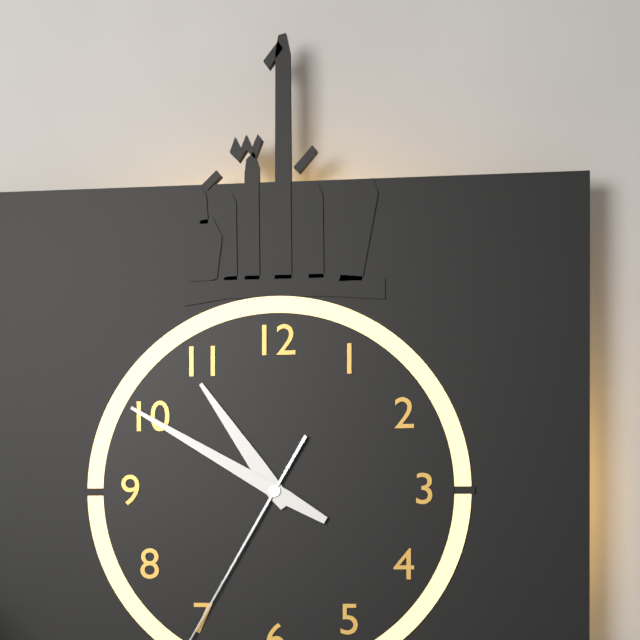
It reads 10h50
